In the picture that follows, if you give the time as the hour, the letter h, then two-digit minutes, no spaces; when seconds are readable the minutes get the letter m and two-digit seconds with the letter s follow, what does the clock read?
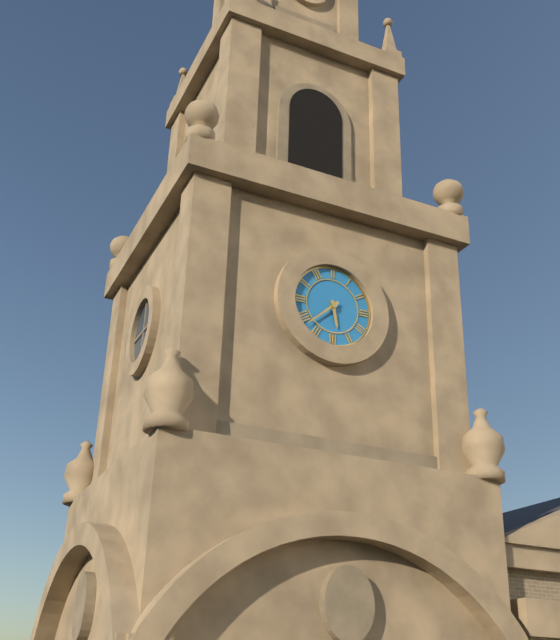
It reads 5h38
